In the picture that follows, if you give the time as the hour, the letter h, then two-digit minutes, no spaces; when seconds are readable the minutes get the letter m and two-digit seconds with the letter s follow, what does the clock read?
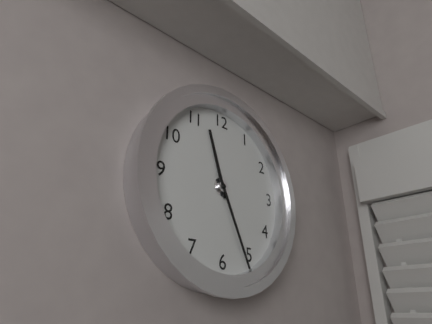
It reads 11h26
